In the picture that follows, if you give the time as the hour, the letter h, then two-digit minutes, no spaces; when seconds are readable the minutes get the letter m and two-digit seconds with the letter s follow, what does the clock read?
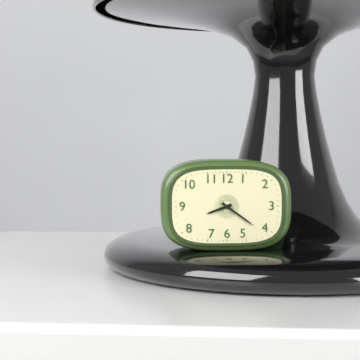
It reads 8h21
